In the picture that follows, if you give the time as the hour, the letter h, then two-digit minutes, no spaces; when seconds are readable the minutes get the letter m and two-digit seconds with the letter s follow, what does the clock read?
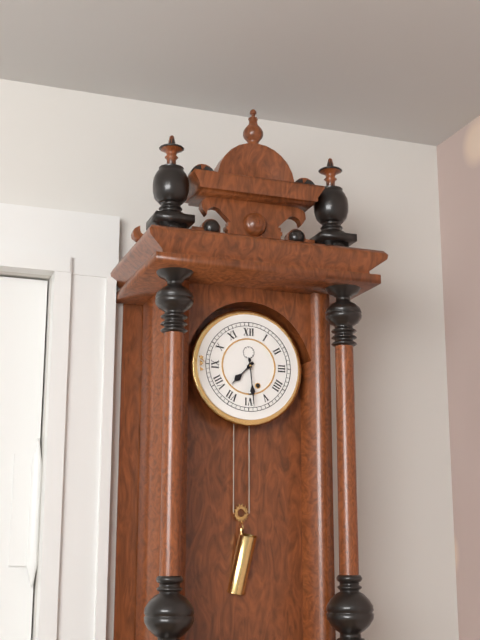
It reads 7h29
